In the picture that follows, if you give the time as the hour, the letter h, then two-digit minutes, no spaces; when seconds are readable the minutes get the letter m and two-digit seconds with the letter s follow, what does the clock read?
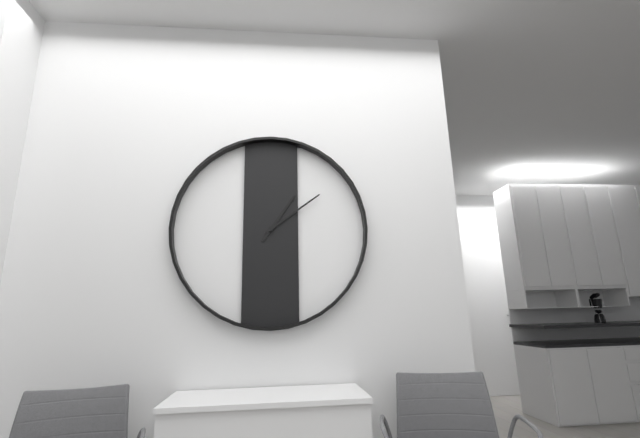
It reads 1h09
